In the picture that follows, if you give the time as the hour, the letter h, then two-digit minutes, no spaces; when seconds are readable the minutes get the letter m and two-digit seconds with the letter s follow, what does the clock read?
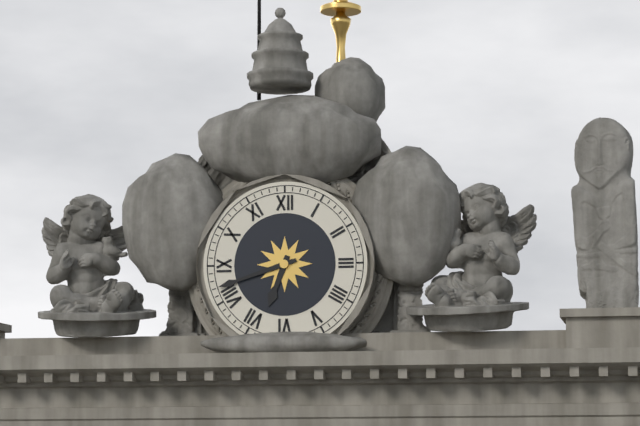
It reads 6h42
